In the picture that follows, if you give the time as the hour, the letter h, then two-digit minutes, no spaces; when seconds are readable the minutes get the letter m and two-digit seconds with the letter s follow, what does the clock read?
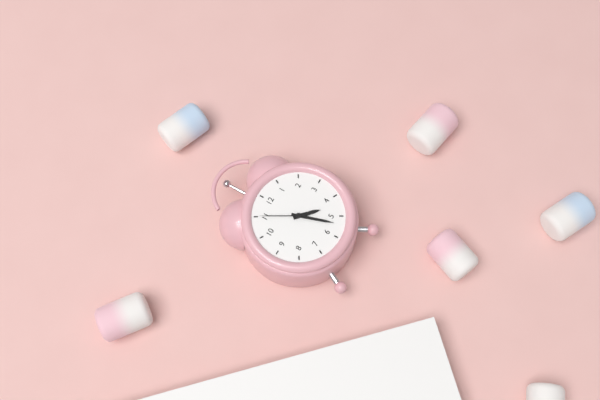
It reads 4h27
